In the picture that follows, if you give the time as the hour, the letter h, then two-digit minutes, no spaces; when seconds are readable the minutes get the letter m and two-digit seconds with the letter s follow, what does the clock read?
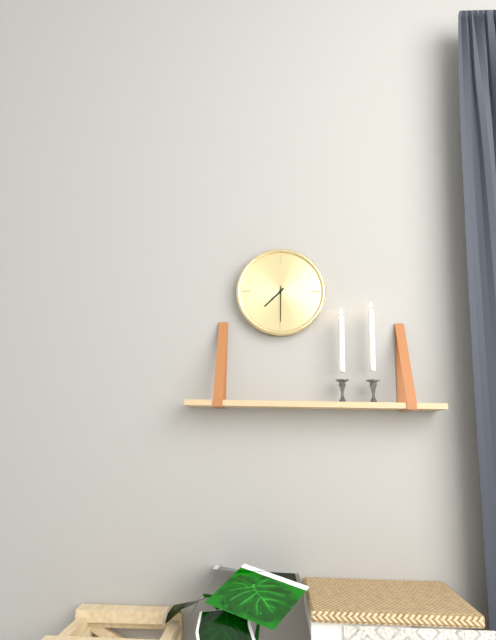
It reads 7h30
